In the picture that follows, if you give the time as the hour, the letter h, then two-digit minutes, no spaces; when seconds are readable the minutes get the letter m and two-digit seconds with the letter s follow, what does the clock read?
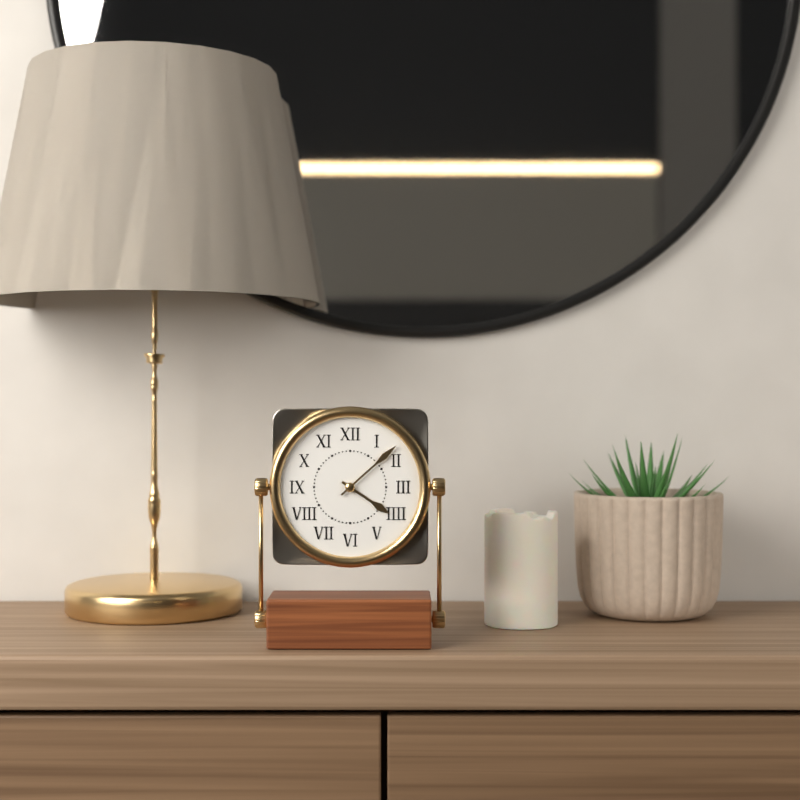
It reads 4h08
